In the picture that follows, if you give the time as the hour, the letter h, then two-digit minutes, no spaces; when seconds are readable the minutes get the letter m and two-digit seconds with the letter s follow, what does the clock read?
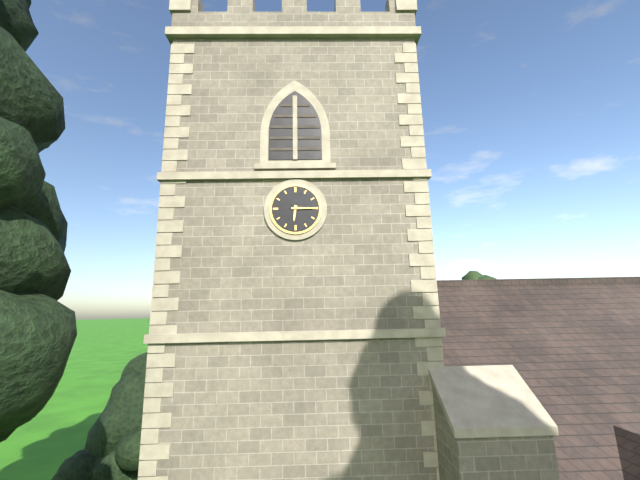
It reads 6h15
